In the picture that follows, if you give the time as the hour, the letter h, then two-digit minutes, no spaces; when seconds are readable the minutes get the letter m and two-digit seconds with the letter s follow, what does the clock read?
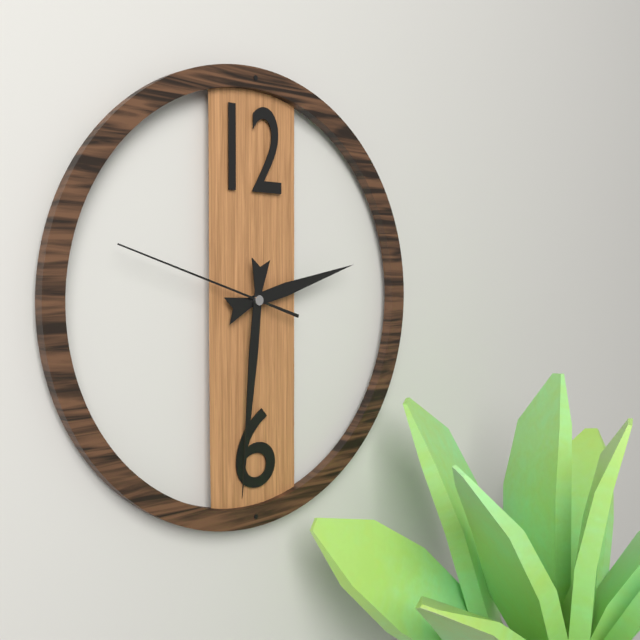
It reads 2h31m48s
